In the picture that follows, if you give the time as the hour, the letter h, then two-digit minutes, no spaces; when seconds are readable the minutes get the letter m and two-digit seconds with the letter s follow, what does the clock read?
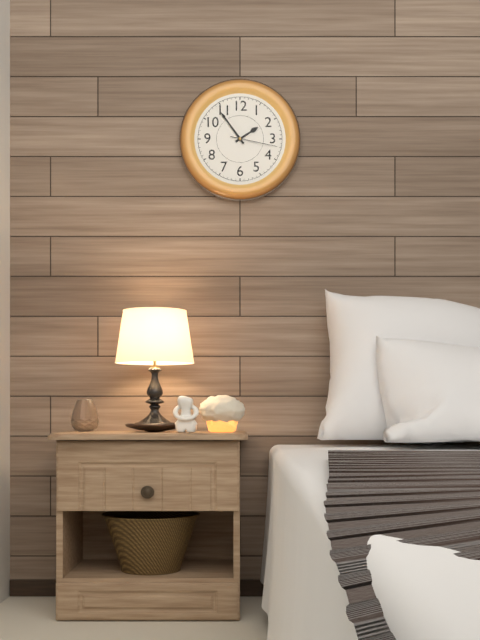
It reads 1h54
